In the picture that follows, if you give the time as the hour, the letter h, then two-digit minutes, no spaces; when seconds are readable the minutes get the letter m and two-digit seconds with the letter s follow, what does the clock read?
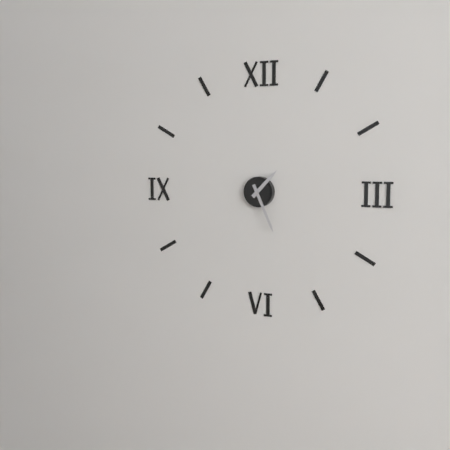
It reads 1h26
